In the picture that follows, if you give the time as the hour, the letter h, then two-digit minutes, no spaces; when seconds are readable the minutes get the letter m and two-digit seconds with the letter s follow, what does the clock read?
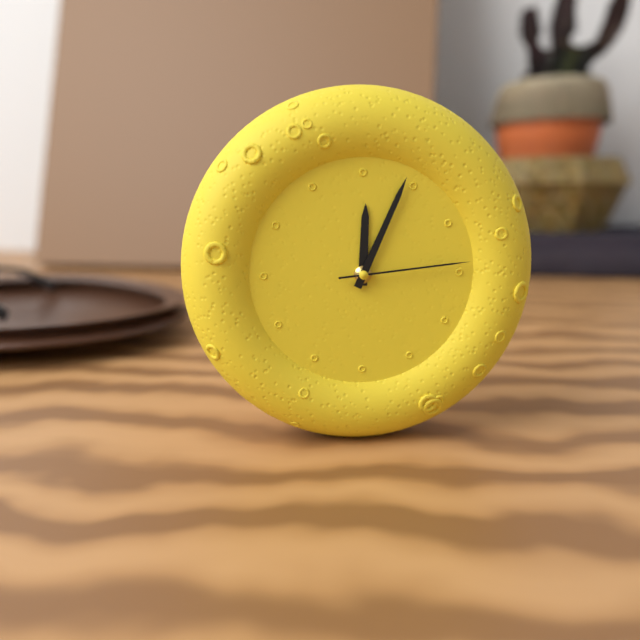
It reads 12h04m14s
